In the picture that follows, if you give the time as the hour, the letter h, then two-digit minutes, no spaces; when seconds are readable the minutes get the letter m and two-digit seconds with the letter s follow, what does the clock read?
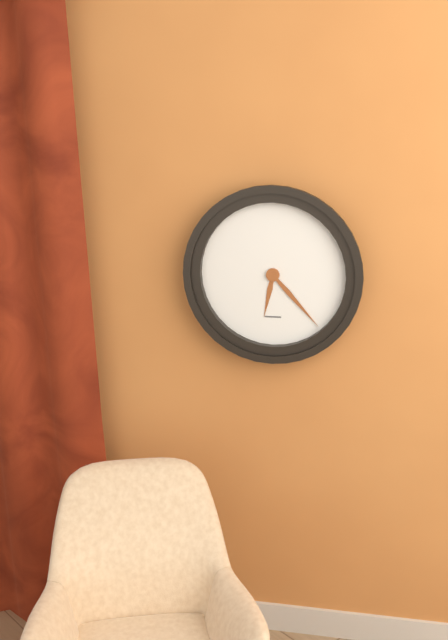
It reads 6h23
